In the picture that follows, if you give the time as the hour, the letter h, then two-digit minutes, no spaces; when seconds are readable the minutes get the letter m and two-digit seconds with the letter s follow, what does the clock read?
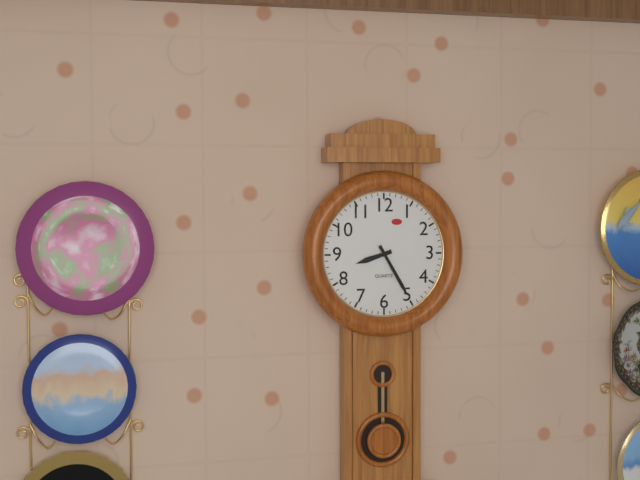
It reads 8h25
